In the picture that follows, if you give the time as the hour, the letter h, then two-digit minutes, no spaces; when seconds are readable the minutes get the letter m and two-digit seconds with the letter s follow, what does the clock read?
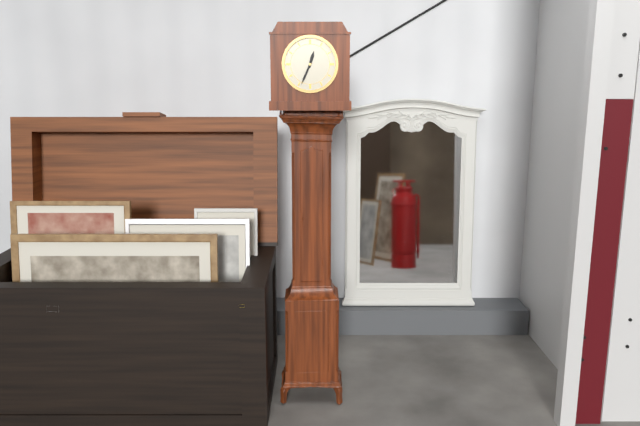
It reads 12h34
